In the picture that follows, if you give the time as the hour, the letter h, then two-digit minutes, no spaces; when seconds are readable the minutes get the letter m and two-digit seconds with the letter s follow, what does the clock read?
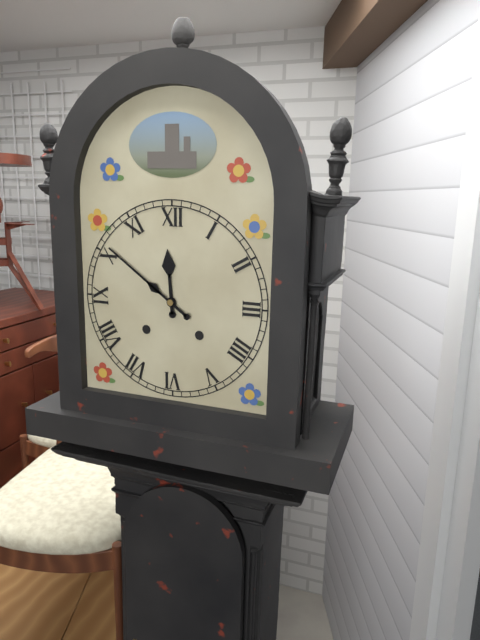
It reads 11h51
